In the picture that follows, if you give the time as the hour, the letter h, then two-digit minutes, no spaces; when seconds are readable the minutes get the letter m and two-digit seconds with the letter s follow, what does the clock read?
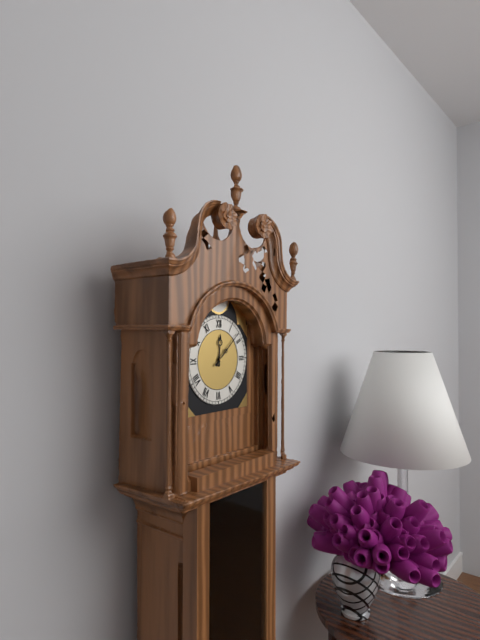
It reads 12h08
